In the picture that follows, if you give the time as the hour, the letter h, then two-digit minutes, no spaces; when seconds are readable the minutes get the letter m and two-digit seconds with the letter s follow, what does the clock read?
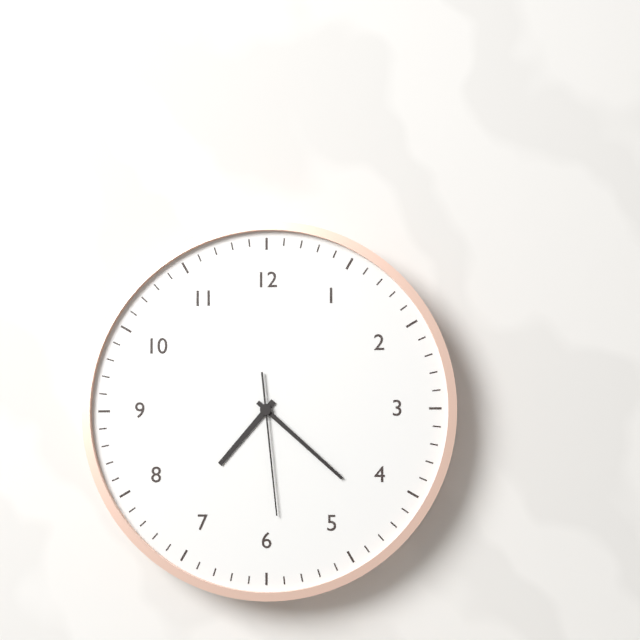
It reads 7h22m29s
